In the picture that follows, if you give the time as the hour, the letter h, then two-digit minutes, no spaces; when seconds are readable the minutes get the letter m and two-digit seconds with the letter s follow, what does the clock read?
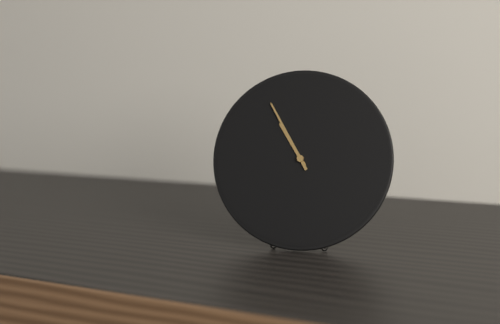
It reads 10h55
